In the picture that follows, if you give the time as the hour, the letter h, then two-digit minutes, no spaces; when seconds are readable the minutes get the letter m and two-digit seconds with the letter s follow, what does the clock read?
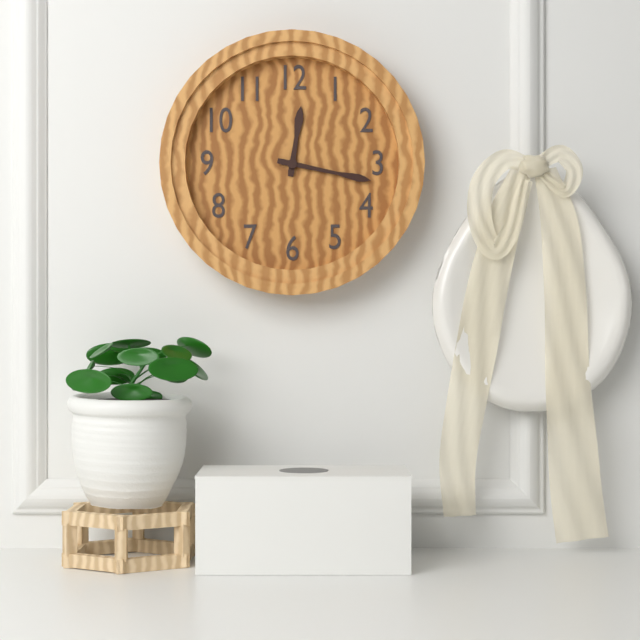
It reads 12h17
